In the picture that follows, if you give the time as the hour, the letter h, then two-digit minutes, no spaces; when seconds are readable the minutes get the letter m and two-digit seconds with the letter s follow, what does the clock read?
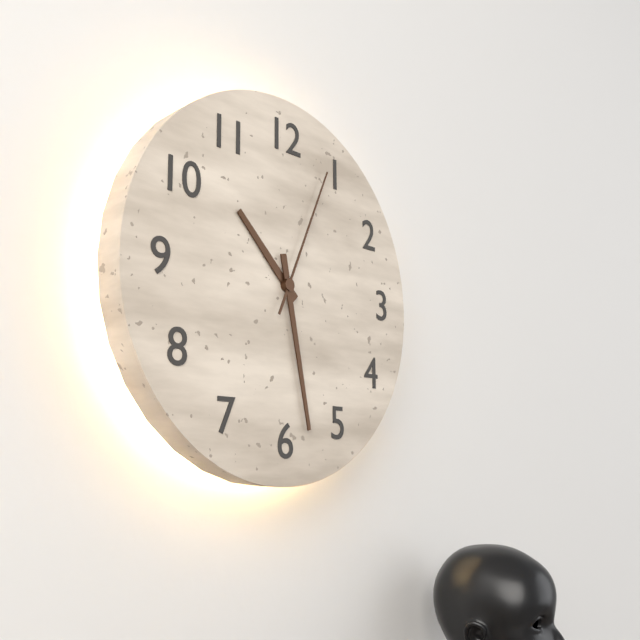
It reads 10h28m04s
